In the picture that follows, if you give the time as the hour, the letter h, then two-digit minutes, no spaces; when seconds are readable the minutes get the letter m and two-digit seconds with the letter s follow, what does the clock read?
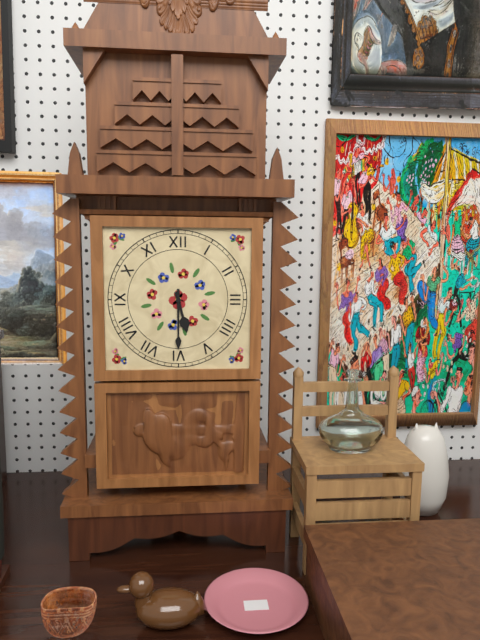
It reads 5h30
